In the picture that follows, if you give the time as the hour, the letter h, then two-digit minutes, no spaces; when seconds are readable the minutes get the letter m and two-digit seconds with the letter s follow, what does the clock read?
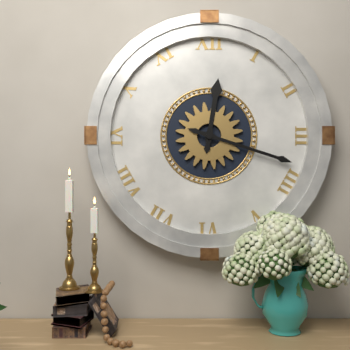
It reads 12h18
